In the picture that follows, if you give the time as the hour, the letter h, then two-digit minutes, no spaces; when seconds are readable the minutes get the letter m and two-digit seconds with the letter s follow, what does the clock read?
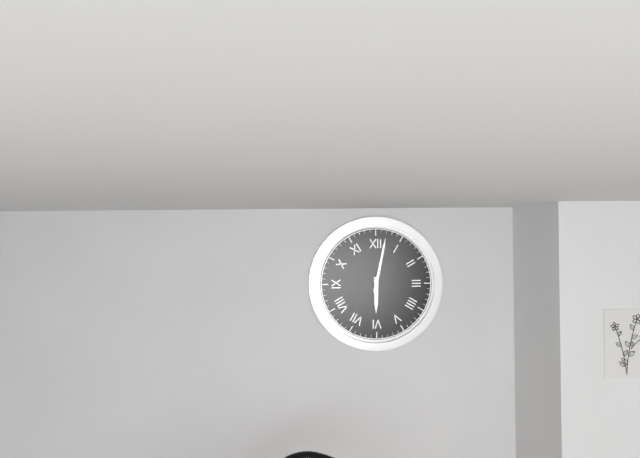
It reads 6h02
